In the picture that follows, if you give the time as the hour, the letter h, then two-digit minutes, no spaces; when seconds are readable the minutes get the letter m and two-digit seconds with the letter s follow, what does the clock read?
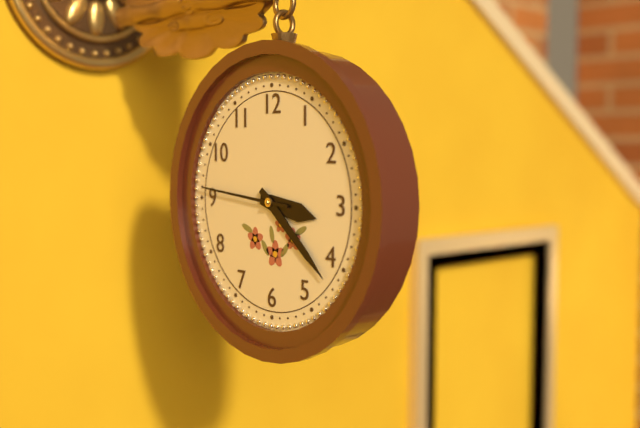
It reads 3h22m46s
